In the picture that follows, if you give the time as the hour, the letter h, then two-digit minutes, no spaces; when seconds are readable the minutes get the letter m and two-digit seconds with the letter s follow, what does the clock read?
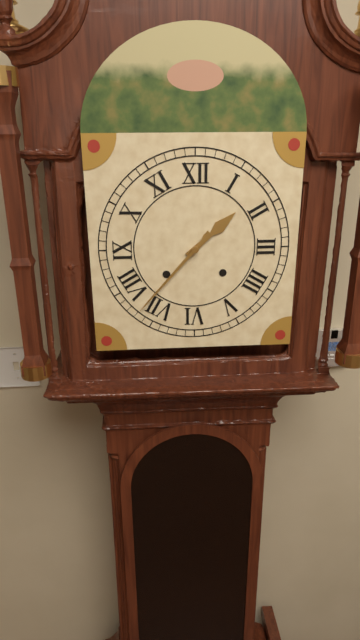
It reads 1h37
